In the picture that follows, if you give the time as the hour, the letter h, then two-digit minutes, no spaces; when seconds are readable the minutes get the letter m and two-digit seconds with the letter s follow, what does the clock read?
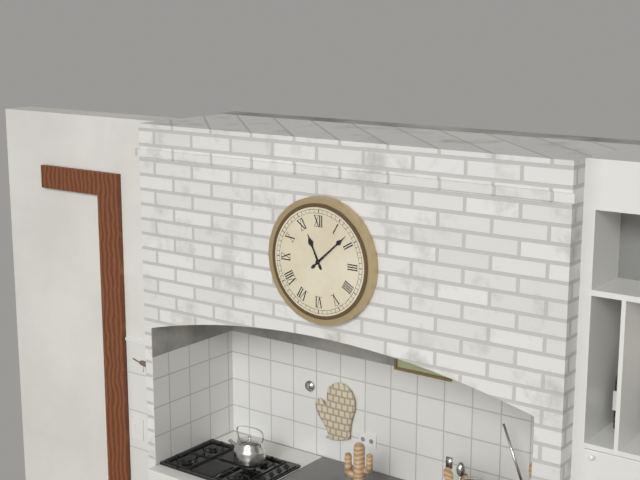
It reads 11h08
